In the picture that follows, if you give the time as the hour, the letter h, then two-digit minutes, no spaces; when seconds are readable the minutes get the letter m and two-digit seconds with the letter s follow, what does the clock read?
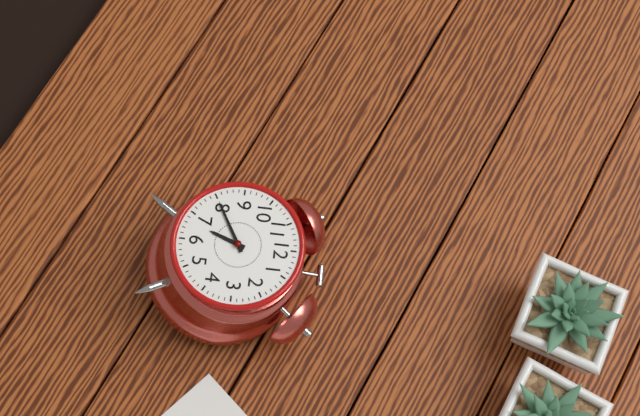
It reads 6h40
